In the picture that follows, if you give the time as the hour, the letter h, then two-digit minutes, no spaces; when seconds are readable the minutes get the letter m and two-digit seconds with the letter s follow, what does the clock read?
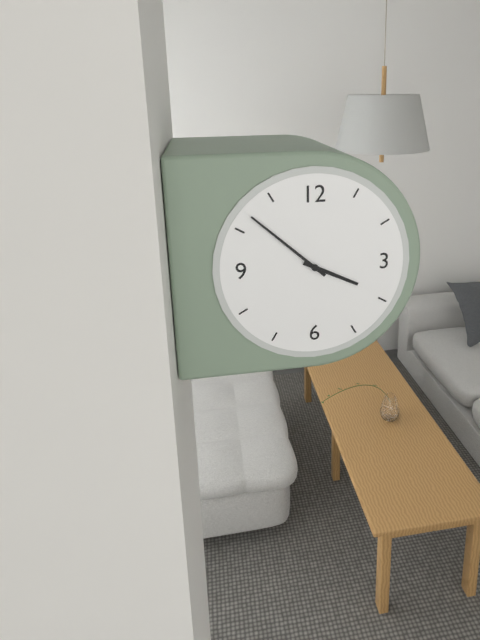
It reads 3h52
